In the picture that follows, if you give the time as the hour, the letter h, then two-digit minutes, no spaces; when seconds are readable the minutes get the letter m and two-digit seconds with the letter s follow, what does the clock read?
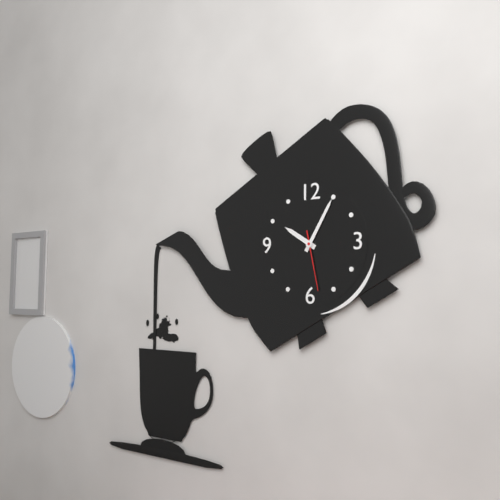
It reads 10h05m28s
